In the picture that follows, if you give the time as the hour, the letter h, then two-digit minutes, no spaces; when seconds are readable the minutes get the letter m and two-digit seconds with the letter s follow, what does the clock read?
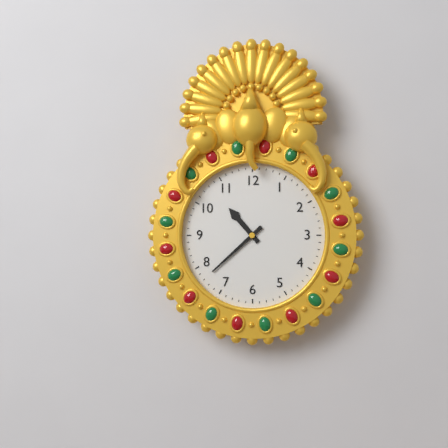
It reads 10h38
